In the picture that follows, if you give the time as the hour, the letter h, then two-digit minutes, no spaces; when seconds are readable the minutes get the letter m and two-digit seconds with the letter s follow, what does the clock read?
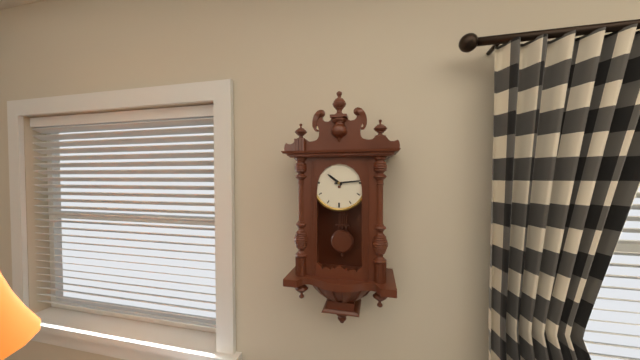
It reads 10h14
